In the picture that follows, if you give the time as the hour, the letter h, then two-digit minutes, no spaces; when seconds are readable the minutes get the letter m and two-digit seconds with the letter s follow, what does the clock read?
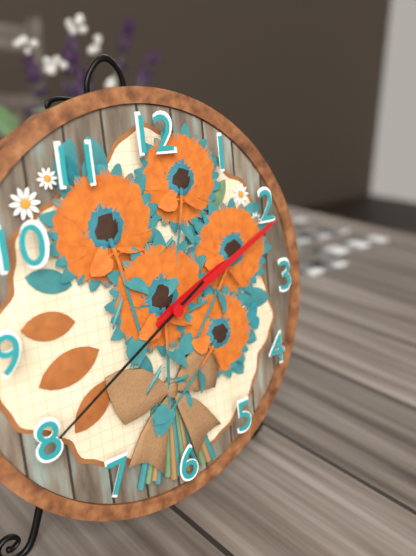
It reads 2h11m40s
